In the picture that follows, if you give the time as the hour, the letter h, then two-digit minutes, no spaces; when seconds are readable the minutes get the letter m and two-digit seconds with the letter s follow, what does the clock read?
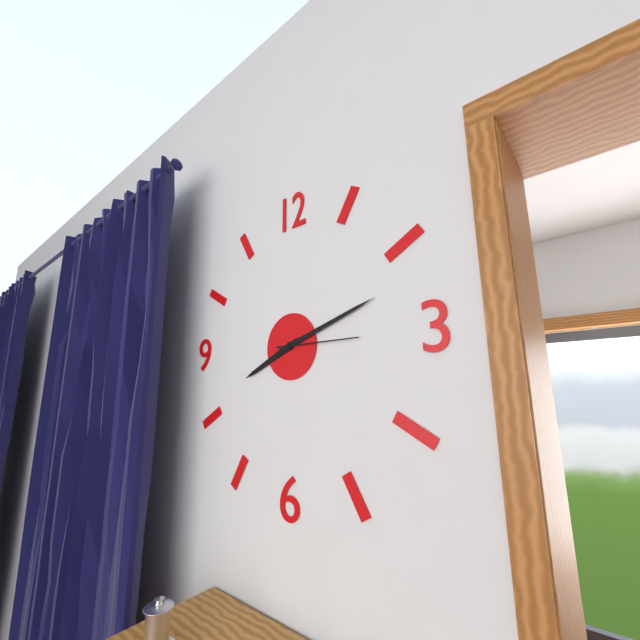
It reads 8h12m15s
